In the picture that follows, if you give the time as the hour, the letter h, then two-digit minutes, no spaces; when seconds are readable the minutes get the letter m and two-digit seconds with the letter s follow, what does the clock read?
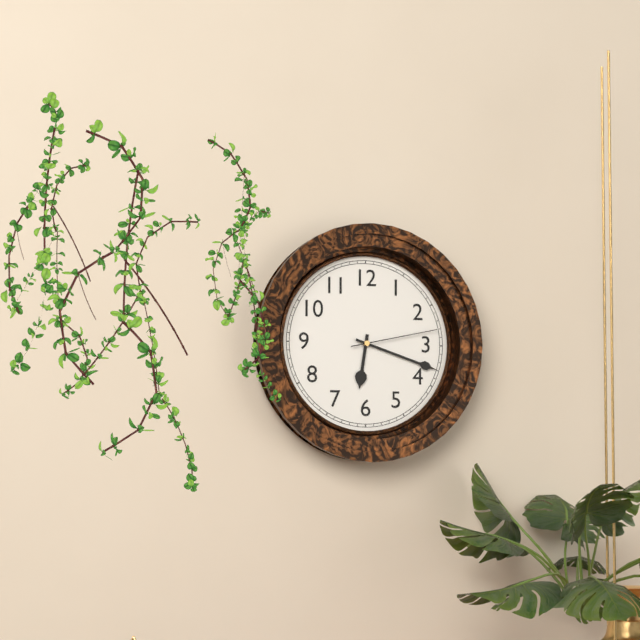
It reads 6h18m13s
